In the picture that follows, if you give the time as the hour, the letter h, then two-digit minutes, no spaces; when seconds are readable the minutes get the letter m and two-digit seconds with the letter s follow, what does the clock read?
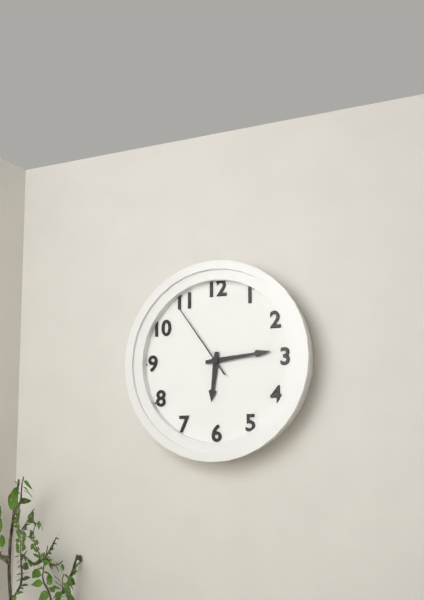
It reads 6h14m54s
